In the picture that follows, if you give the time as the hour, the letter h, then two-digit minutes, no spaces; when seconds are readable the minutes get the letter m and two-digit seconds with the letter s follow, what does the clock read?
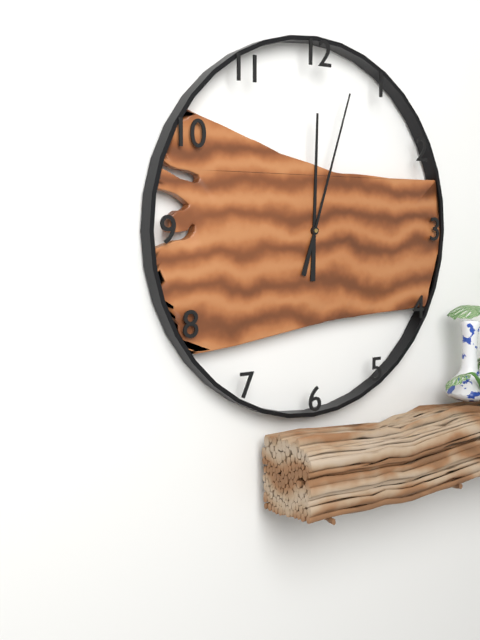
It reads 12h03
